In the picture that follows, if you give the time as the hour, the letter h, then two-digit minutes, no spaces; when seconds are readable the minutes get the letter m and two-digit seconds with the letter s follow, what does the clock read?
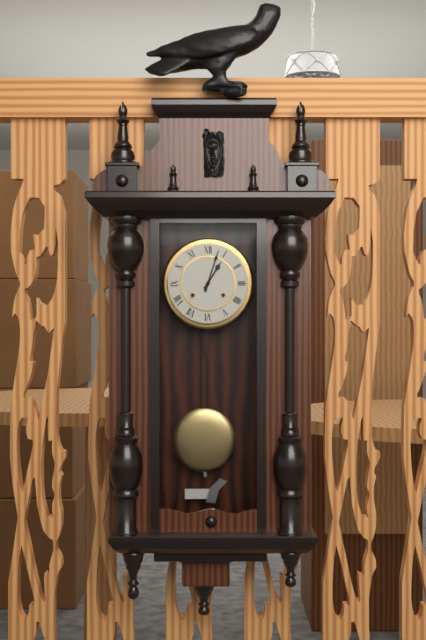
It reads 1h03
